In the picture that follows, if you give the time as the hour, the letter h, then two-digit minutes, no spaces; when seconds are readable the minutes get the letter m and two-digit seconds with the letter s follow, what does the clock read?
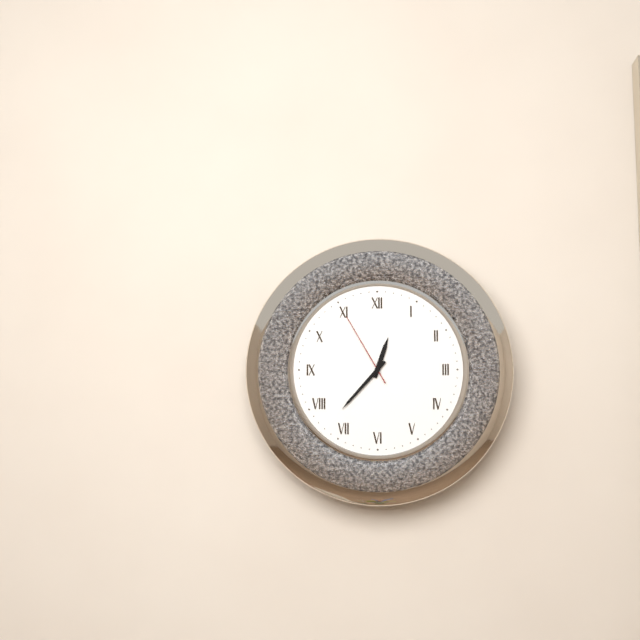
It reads 12h37m55s
